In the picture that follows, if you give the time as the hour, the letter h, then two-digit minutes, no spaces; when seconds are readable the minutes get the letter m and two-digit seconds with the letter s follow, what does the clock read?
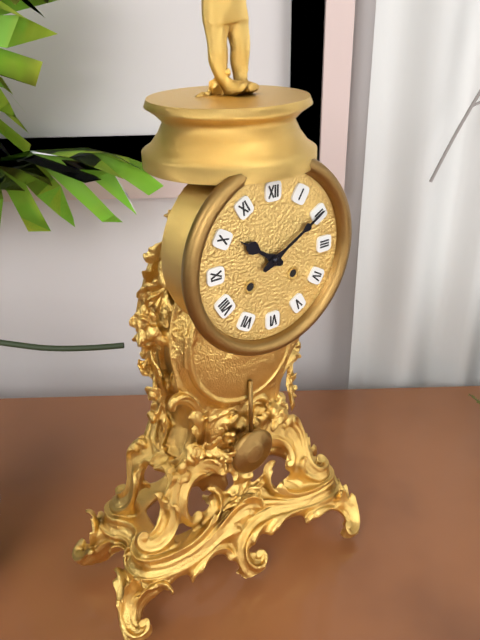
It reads 10h10
